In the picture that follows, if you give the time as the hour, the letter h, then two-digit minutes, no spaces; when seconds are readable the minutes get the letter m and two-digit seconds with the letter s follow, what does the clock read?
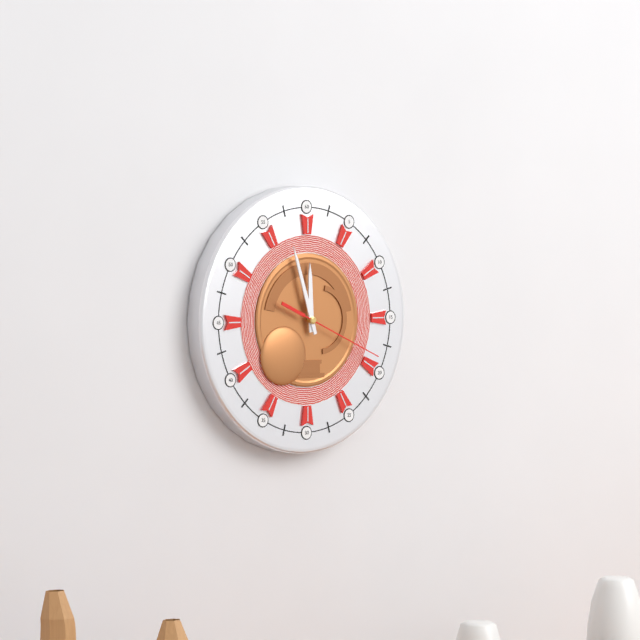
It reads 11h57m19s
